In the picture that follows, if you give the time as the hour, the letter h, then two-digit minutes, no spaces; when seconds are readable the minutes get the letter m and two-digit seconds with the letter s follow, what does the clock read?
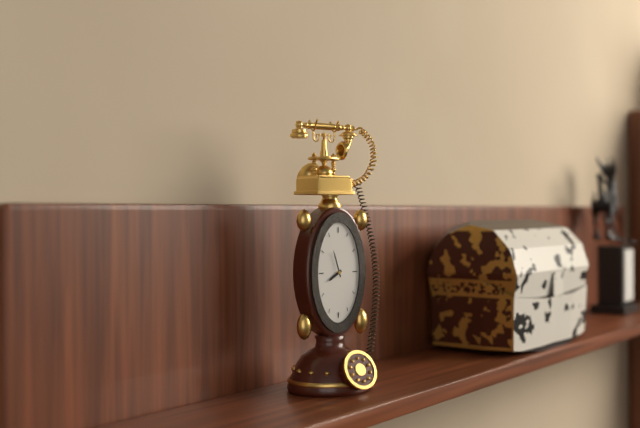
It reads 7h57
